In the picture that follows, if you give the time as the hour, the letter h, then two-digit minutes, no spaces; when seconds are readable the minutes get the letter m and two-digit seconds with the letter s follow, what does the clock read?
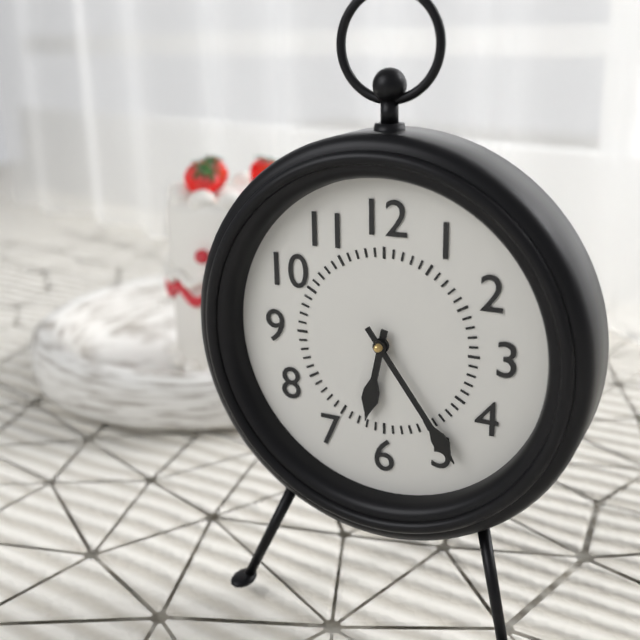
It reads 6h24
